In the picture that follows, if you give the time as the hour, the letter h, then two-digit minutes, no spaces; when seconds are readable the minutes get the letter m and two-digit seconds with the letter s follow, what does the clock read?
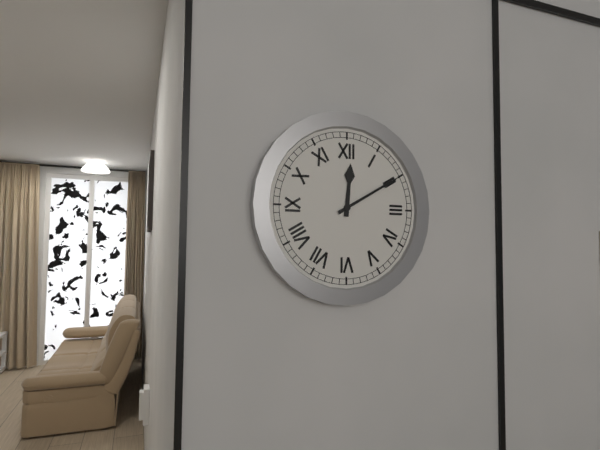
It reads 12h10
